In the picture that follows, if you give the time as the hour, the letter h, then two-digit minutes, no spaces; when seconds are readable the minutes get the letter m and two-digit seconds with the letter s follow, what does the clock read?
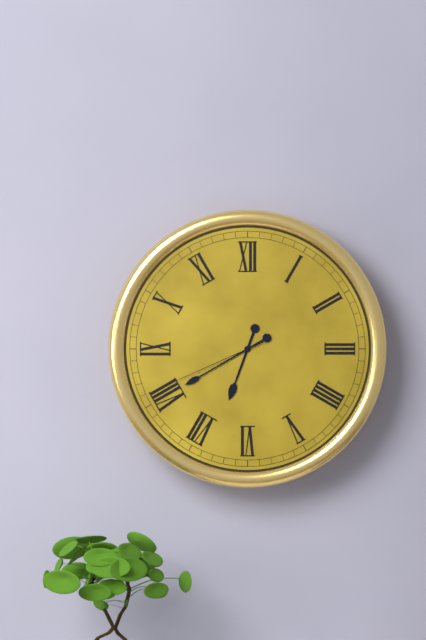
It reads 6h40m41s
